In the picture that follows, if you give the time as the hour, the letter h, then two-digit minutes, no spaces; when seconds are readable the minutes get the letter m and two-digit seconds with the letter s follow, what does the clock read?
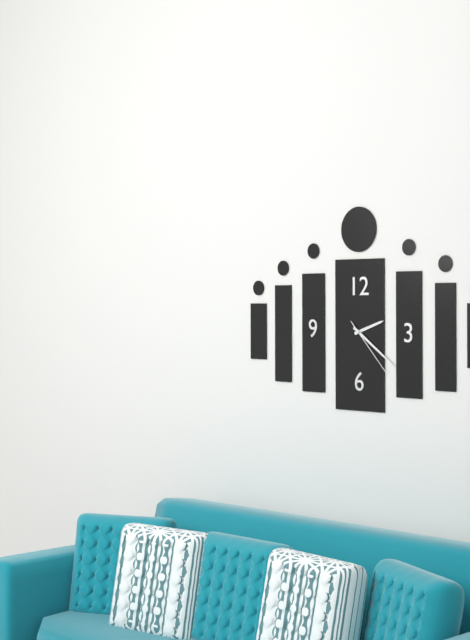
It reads 2h21m23s
